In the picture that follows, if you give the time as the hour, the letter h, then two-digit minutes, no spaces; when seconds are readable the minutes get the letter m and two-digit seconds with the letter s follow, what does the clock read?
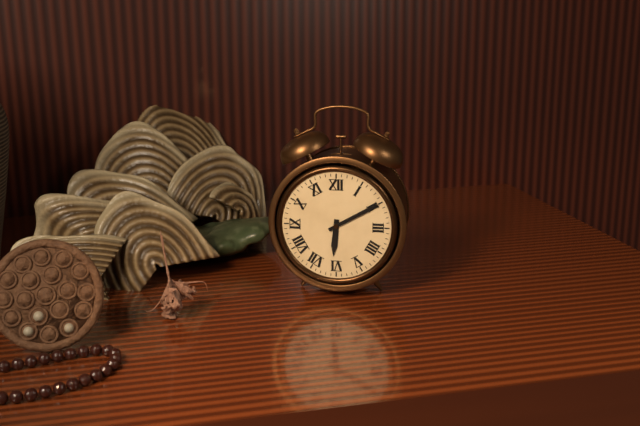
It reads 6h10
